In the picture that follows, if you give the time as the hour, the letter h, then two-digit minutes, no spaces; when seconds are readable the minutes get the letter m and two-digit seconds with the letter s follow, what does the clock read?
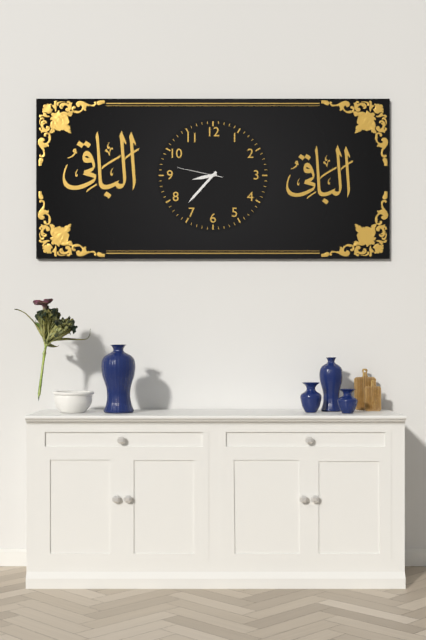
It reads 8h37
